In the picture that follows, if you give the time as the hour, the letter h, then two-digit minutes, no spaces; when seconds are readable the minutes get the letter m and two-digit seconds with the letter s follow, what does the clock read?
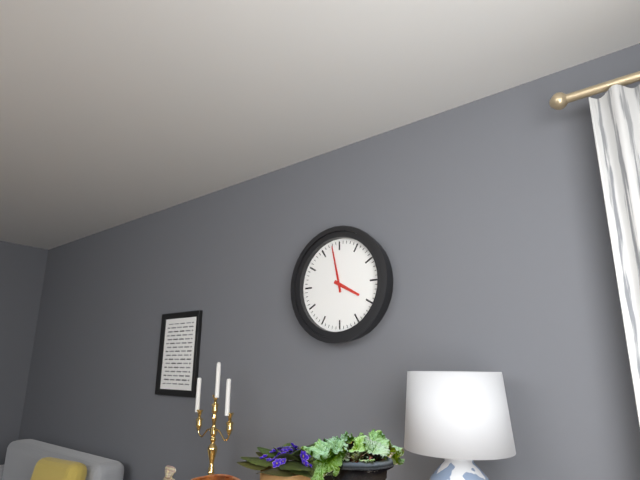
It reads 3h58
